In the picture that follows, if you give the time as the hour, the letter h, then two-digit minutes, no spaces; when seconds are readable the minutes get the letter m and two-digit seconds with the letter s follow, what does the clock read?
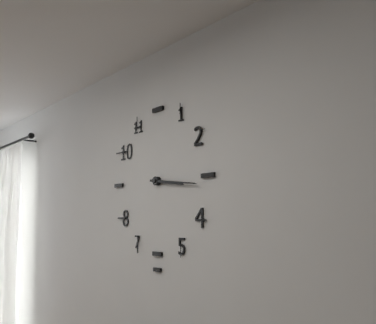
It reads 3h16
